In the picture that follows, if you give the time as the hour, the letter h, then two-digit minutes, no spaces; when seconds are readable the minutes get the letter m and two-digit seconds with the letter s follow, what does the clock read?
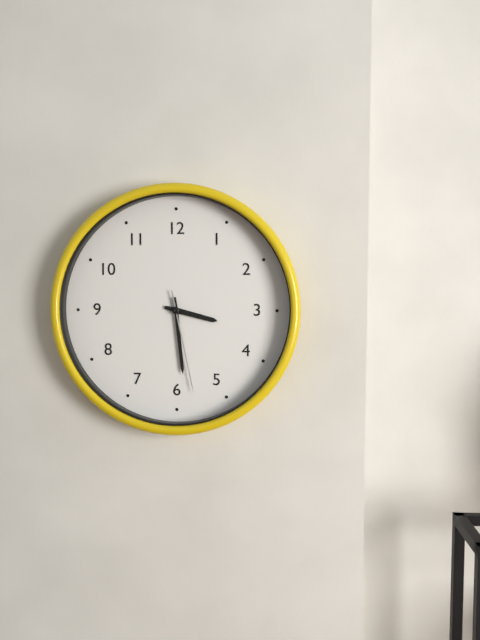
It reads 3h29m28s
